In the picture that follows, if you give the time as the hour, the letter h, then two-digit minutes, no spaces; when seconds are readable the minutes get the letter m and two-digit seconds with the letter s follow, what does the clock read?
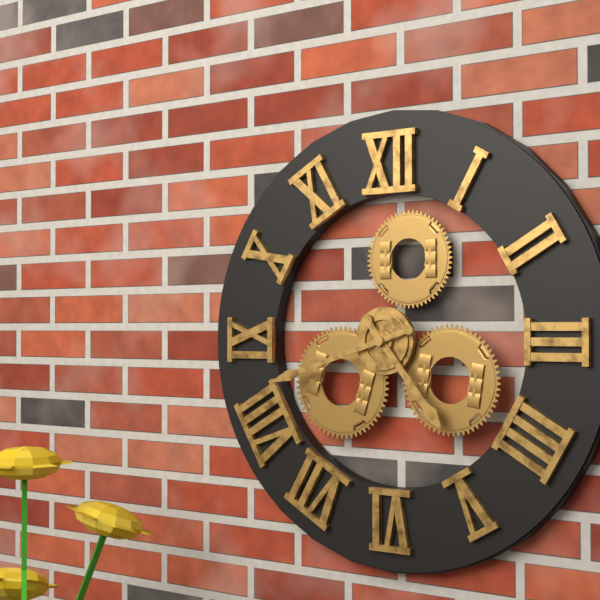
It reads 4h42
